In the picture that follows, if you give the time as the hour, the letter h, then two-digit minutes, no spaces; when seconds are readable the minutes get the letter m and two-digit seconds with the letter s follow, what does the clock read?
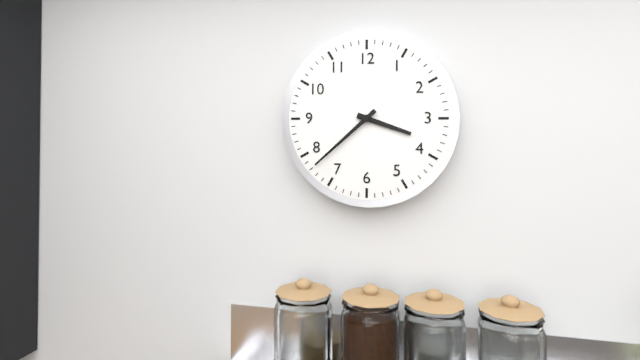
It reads 3h38
